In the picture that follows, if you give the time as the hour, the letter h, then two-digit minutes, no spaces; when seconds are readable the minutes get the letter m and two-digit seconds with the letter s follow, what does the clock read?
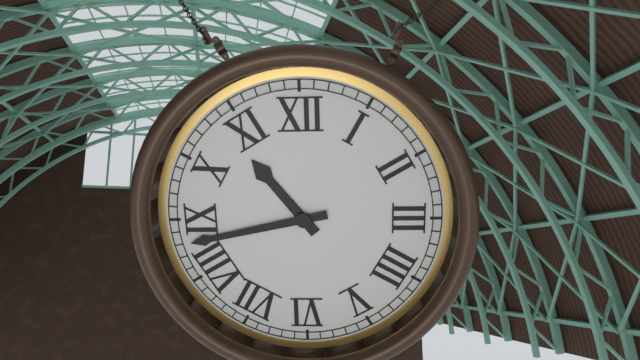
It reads 10h43
